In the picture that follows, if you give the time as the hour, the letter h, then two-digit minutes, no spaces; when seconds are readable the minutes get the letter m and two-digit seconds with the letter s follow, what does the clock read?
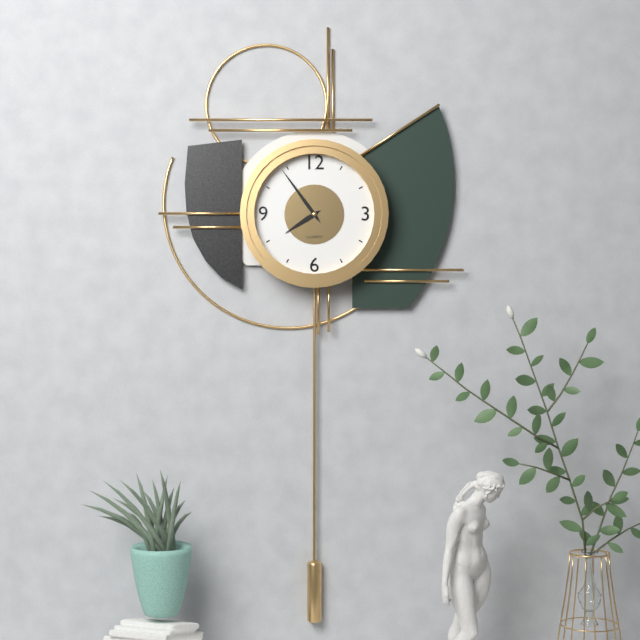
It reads 7h54
